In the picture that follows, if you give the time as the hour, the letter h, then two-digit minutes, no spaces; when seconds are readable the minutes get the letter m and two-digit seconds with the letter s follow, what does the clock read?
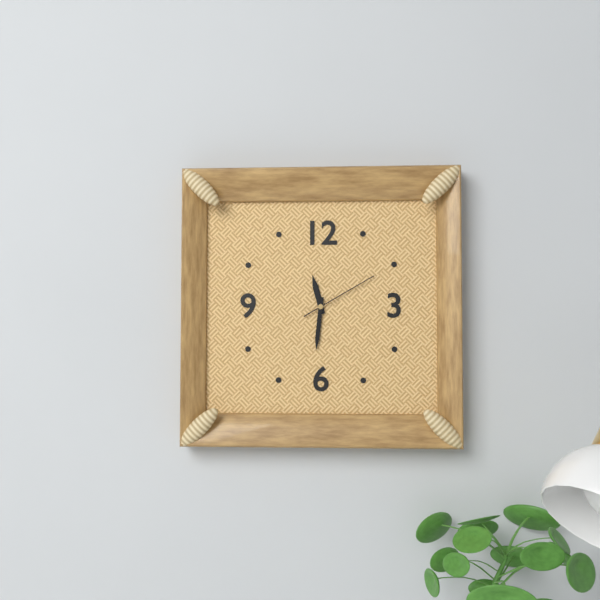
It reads 11h31m10s
